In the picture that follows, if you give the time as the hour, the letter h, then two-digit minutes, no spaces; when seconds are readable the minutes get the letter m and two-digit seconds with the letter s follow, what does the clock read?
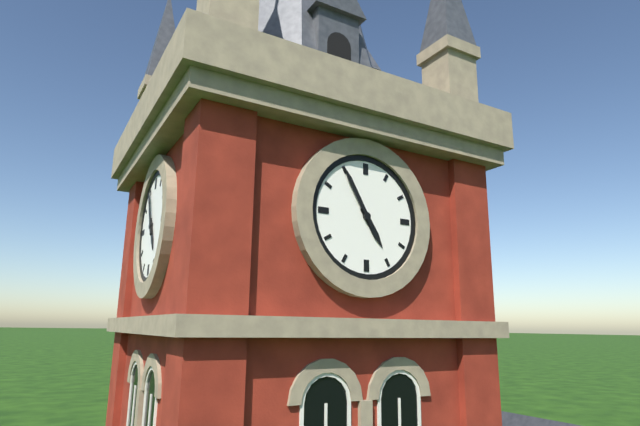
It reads 4h55
